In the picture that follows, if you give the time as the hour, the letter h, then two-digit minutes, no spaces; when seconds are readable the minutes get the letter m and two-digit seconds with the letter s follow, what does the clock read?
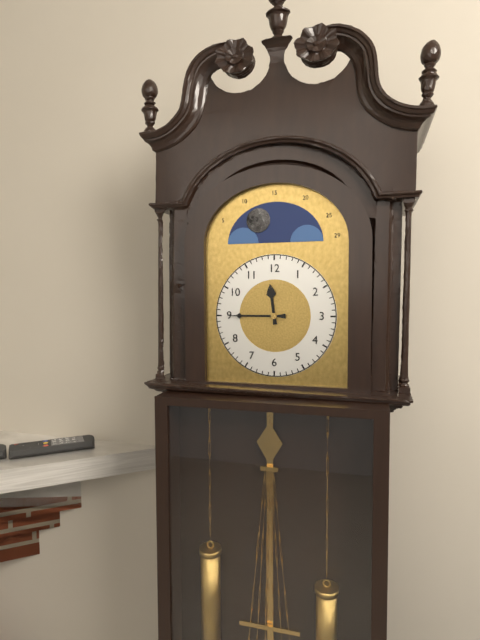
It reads 11h45
